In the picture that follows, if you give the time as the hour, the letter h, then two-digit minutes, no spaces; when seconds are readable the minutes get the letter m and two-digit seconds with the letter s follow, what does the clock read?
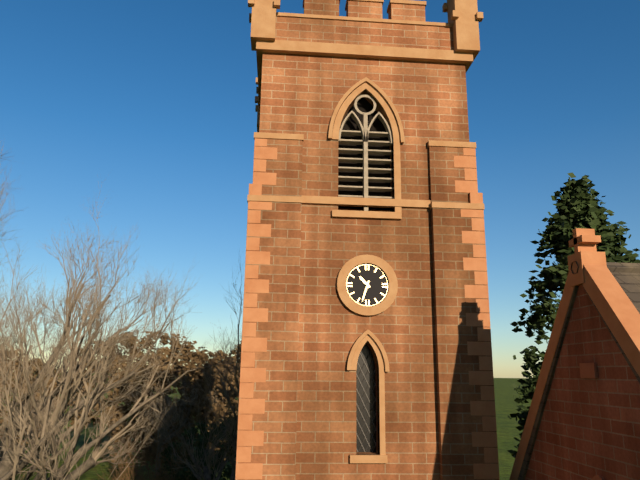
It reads 10h33
